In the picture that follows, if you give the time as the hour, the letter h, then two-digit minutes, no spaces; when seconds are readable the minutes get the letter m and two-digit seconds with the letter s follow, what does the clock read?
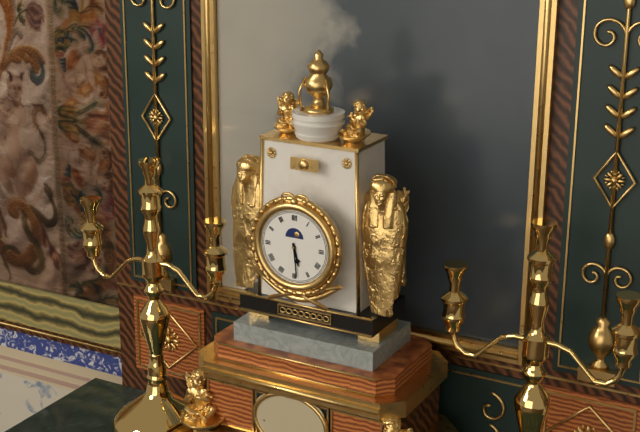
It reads 5h29
